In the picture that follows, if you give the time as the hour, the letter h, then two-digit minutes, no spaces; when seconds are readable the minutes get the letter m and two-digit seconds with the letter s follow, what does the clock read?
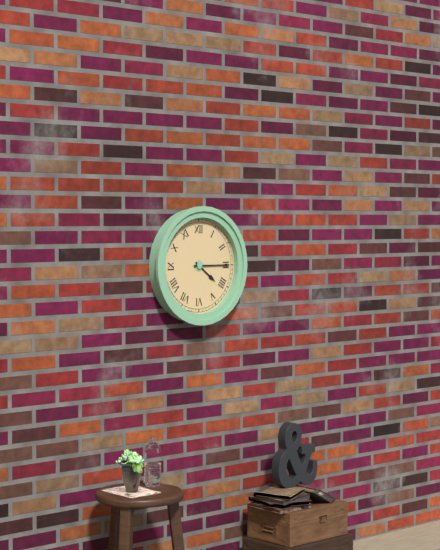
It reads 4h15
